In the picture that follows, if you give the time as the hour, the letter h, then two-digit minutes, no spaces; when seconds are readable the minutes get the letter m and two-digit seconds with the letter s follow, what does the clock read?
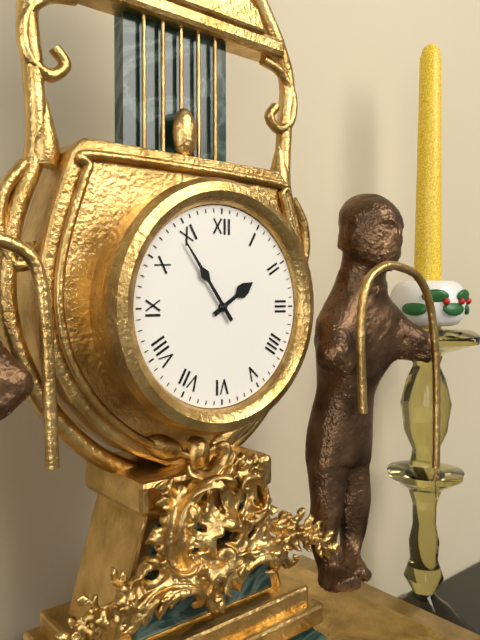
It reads 1h54
